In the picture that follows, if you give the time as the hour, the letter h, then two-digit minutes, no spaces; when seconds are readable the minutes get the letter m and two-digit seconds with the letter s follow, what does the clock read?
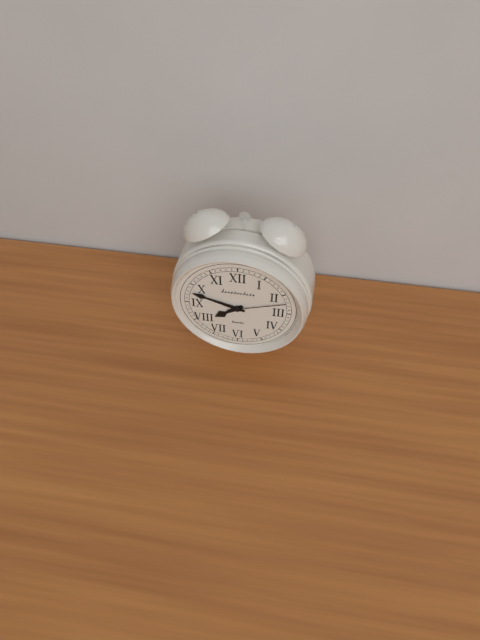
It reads 7h48m12s
